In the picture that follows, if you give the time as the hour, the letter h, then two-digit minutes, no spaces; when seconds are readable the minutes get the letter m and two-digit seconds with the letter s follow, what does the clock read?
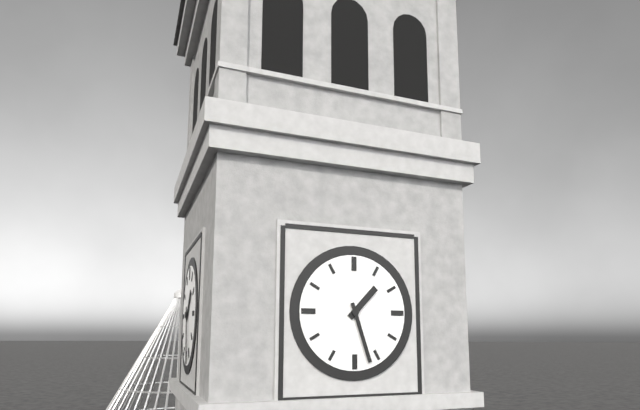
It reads 1h27
